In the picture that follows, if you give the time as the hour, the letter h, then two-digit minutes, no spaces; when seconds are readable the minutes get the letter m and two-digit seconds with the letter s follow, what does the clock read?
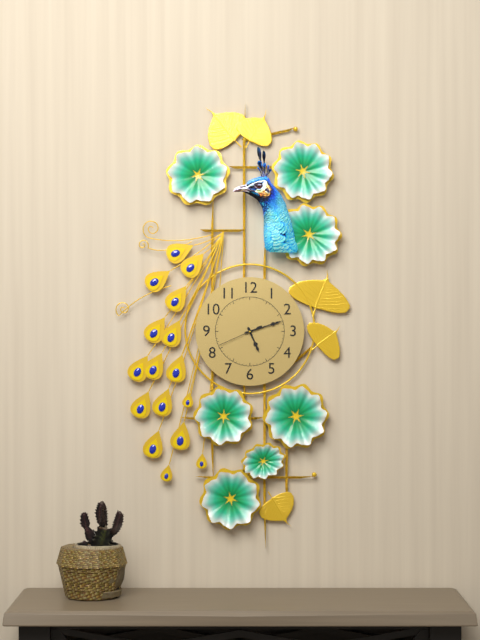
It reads 5h12
